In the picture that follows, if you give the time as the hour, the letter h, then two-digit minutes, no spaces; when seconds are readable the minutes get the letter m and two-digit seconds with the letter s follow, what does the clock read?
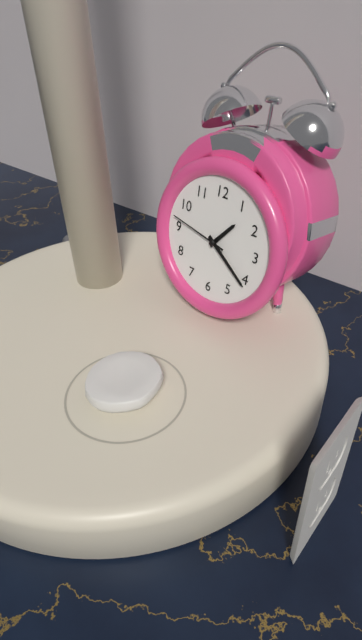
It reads 1h21m47s
